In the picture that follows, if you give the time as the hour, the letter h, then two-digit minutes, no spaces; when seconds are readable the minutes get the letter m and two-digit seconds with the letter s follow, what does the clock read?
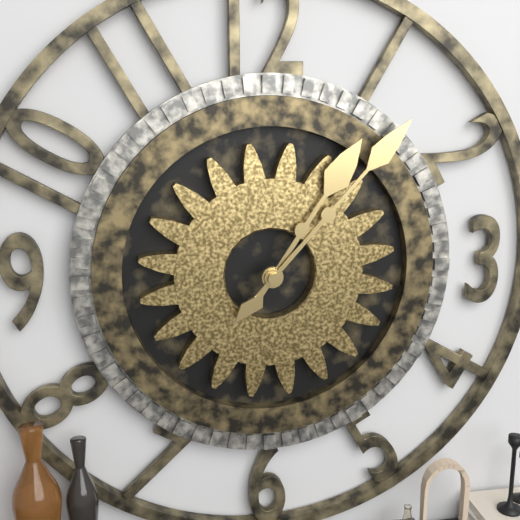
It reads 1h07
